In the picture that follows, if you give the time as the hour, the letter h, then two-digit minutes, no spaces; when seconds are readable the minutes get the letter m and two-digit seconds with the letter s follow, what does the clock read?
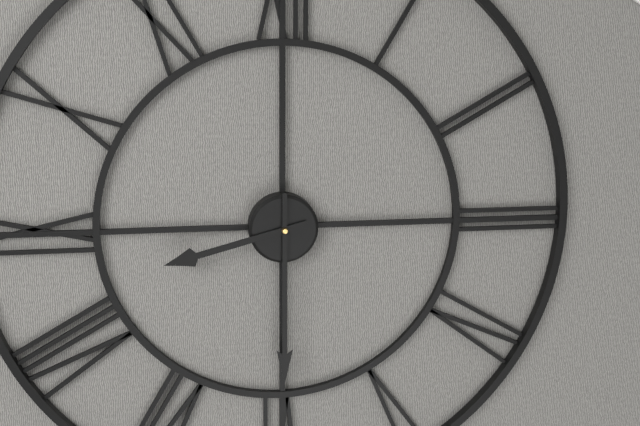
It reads 8h30
